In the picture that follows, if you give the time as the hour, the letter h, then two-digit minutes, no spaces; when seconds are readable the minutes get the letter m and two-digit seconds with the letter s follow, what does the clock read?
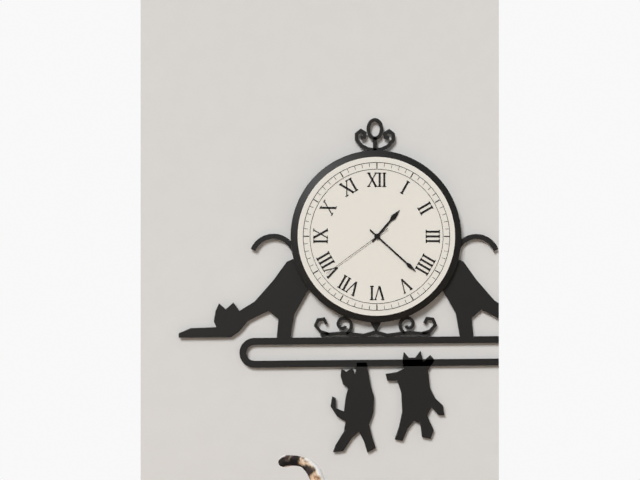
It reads 1h22m39s
